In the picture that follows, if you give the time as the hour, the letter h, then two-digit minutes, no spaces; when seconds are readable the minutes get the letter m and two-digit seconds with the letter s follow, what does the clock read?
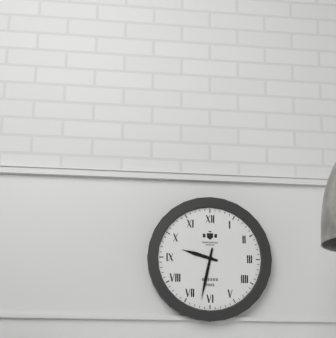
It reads 9h32
